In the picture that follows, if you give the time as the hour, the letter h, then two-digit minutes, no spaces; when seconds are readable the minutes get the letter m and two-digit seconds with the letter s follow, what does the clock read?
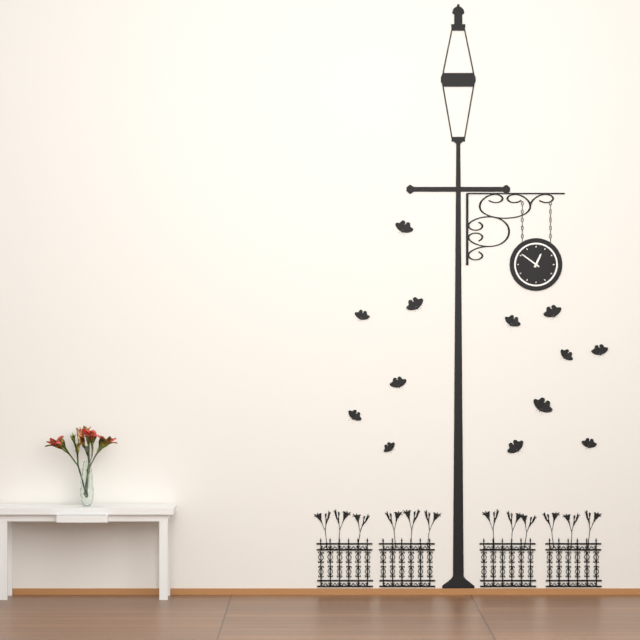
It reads 12h51
